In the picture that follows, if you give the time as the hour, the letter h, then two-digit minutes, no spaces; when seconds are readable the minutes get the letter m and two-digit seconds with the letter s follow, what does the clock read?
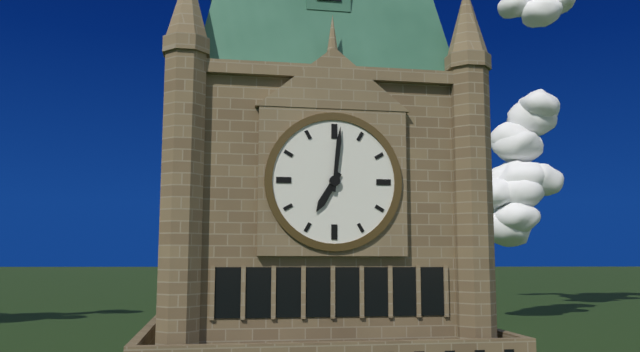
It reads 7h01
